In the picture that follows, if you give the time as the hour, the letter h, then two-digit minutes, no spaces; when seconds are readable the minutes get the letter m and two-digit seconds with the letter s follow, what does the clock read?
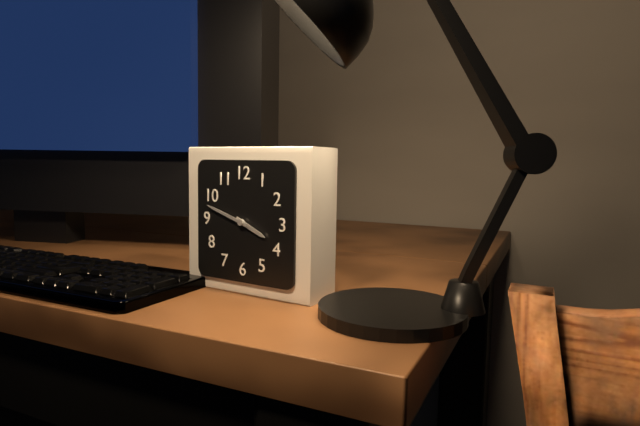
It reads 3h48
